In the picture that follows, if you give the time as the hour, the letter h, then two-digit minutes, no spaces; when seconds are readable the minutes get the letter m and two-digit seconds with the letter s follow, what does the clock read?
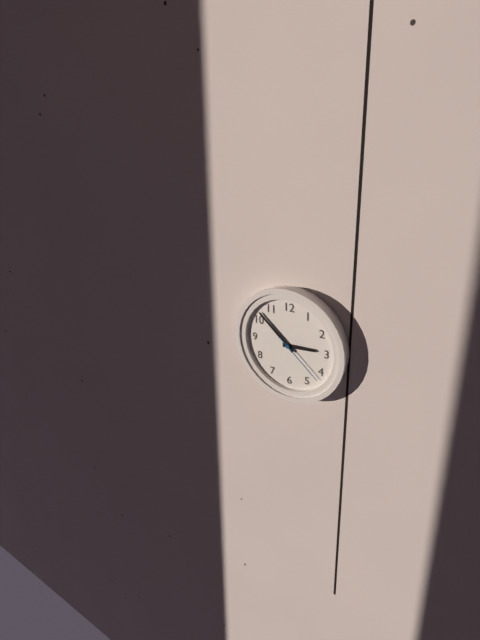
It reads 2h52m22s
